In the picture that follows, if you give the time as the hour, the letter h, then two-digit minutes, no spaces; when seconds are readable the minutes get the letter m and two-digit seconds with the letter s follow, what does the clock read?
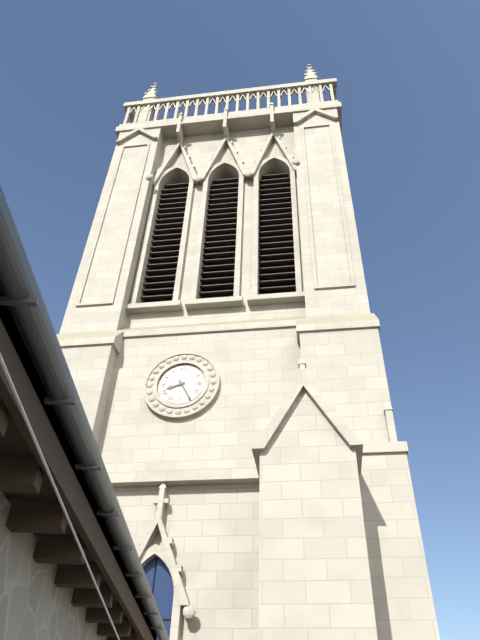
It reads 8h25
